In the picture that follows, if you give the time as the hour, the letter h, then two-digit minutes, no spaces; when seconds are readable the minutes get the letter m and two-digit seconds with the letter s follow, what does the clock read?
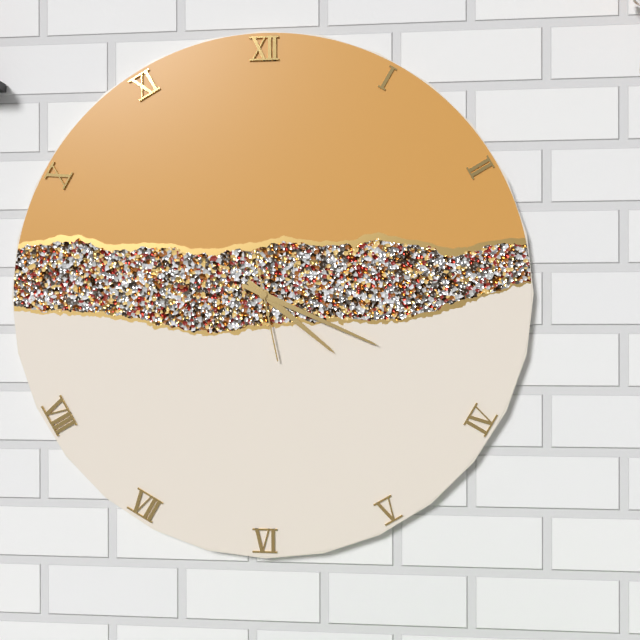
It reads 4h19m28s
